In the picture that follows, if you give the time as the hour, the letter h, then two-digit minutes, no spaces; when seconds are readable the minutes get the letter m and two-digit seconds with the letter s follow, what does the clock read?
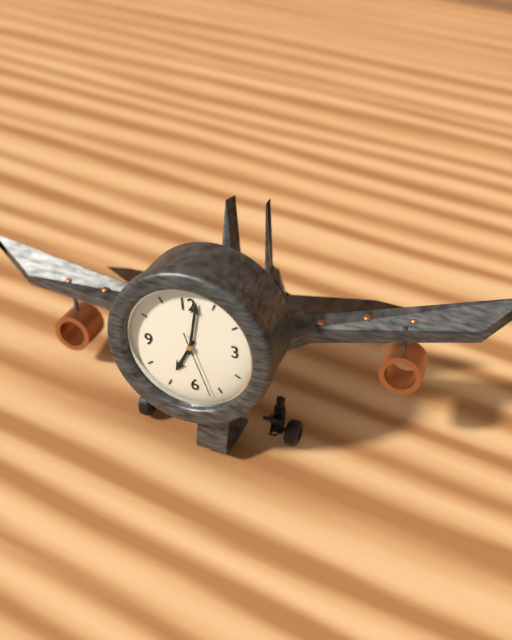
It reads 7h02m27s
